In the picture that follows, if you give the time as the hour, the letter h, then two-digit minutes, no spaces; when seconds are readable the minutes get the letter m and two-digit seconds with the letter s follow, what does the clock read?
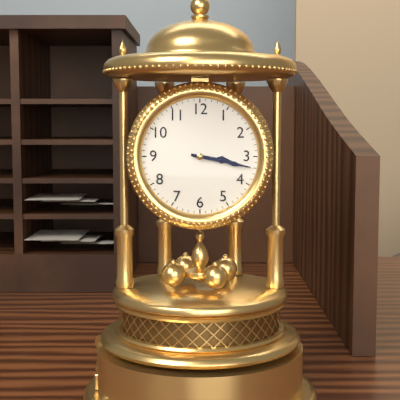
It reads 3h17
